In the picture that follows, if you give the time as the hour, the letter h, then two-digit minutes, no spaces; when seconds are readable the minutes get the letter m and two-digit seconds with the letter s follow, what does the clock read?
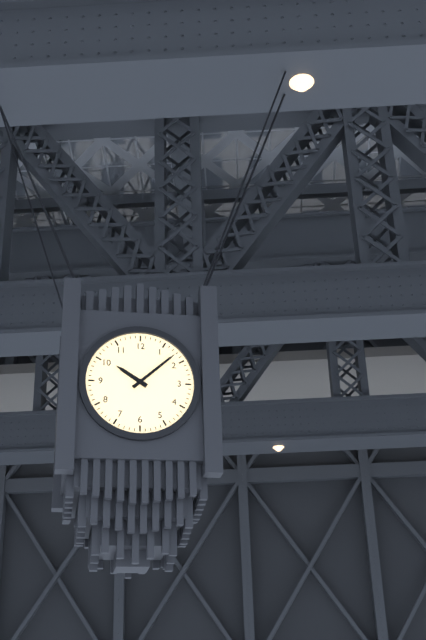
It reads 10h08
